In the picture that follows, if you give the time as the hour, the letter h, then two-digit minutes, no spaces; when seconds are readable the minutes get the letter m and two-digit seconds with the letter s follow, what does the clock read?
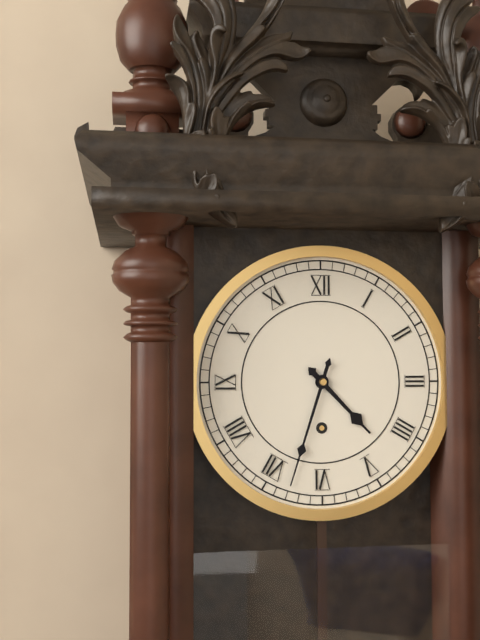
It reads 4h33
